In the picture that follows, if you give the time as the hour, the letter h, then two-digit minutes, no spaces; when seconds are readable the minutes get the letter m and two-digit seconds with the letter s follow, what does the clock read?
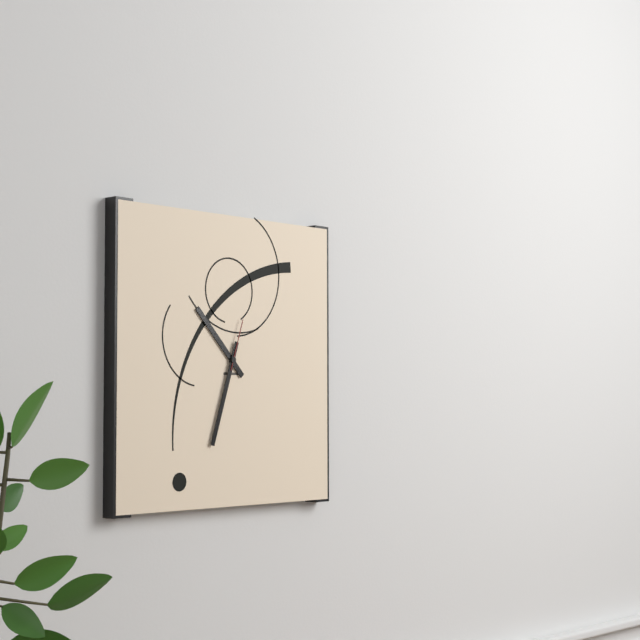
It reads 10h33m03s
